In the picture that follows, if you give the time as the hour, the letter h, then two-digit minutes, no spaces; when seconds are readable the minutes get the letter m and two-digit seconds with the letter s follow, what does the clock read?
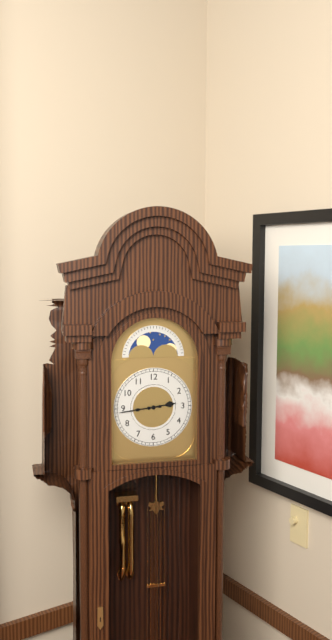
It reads 2h44
